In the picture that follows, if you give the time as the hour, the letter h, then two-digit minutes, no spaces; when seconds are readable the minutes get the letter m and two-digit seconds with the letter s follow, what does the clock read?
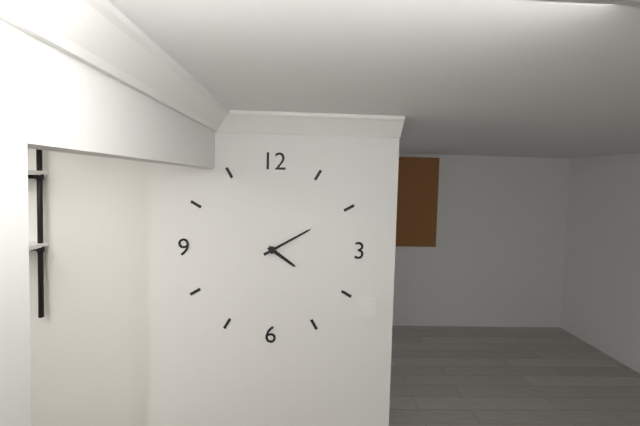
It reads 4h10
